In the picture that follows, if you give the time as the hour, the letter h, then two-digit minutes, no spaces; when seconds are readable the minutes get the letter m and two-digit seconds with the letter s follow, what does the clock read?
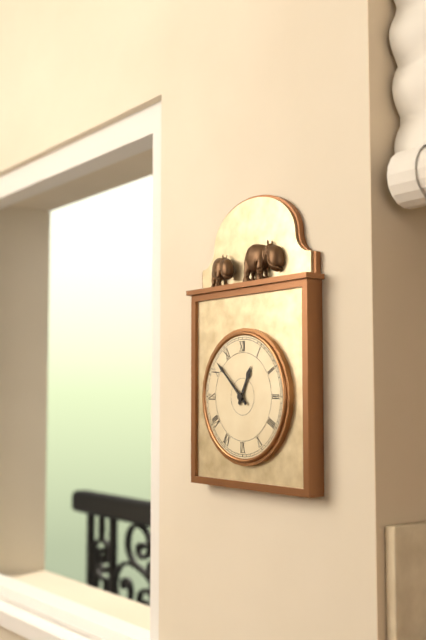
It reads 12h52
